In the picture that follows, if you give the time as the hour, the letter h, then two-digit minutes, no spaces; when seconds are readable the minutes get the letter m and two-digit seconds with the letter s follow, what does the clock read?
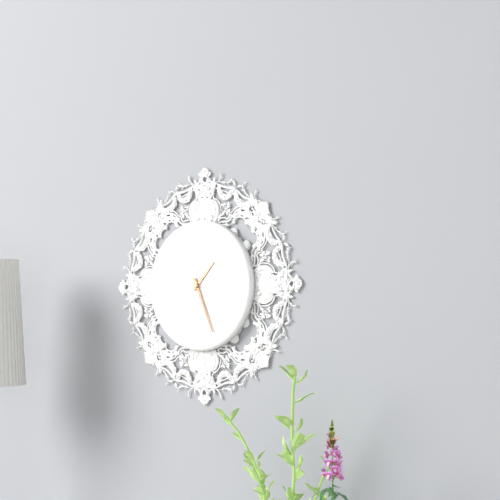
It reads 1h26
